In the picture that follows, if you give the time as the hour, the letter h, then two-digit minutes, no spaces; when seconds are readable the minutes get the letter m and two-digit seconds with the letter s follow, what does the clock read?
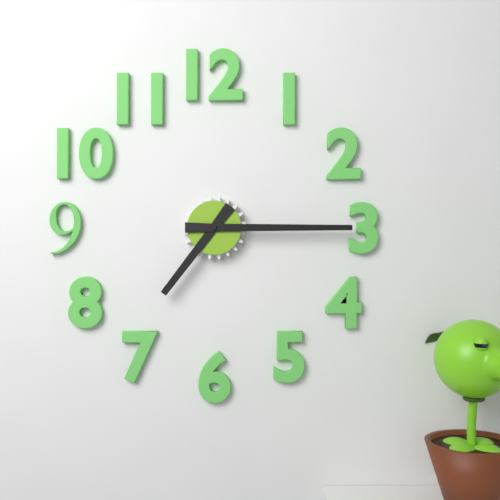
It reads 7h15
